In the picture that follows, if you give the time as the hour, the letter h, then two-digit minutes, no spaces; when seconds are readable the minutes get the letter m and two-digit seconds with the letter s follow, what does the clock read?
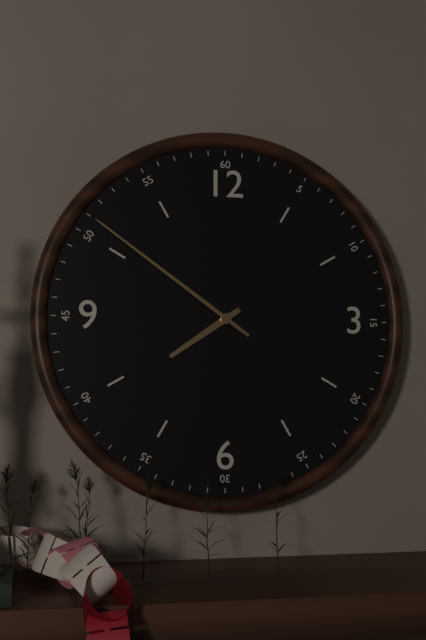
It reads 7h51
